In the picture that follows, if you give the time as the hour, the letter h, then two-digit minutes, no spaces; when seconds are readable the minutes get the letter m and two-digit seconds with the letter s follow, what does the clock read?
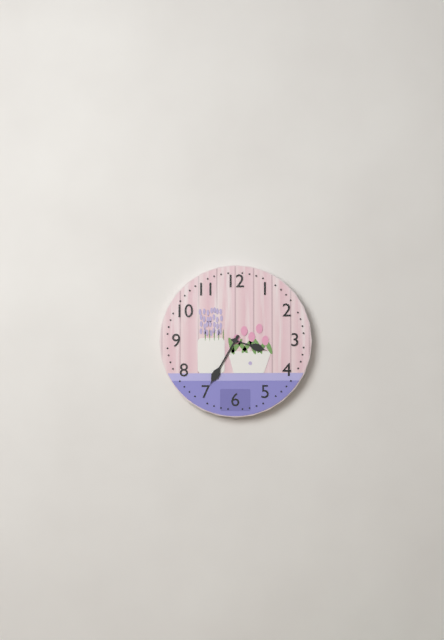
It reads 3h35
